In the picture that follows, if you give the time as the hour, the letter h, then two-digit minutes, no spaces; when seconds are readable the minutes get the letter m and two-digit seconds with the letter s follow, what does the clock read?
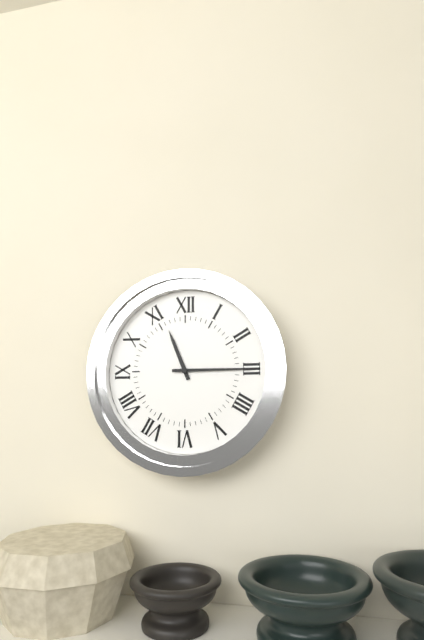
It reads 11h15
